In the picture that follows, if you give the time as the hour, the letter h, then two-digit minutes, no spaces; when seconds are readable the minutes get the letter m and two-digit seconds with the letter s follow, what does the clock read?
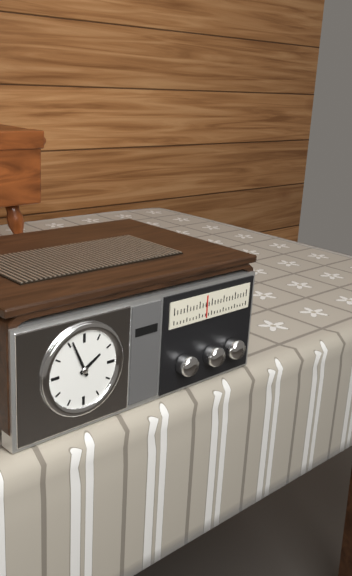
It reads 1h56
